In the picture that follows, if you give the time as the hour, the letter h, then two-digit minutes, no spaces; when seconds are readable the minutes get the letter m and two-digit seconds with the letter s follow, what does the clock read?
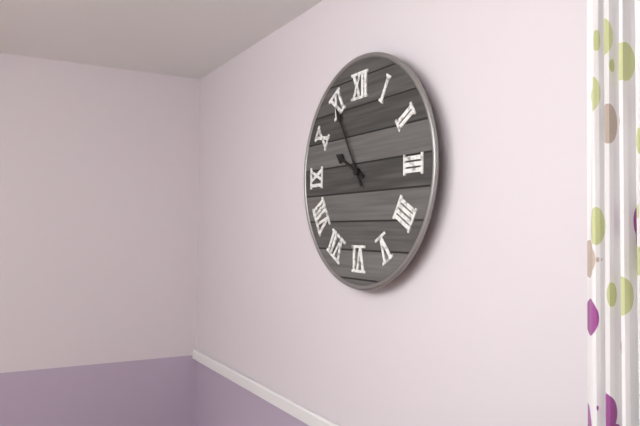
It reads 9h55
